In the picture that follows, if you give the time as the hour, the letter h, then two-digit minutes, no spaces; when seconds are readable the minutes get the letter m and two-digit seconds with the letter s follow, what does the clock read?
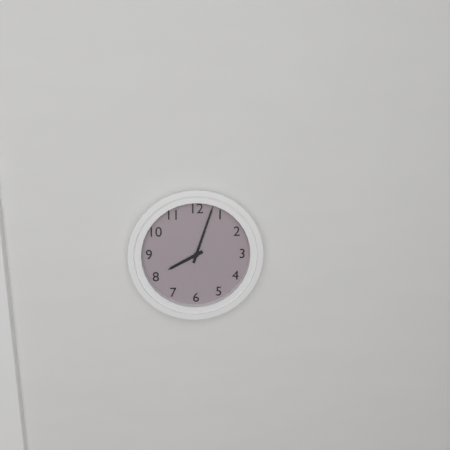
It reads 8h03
